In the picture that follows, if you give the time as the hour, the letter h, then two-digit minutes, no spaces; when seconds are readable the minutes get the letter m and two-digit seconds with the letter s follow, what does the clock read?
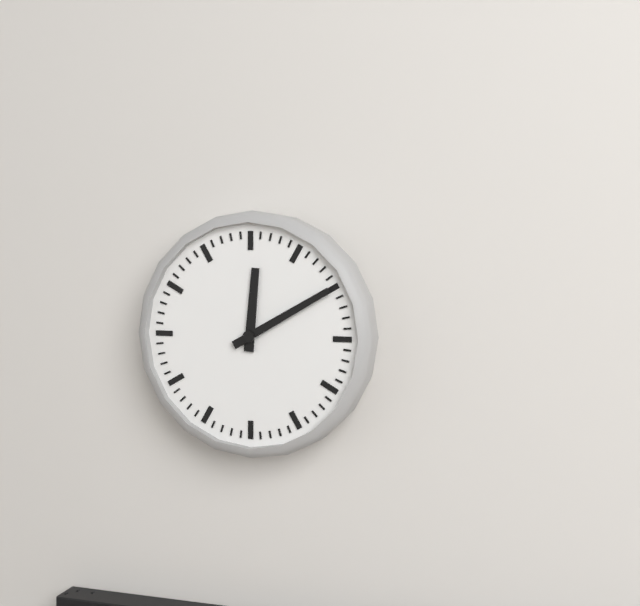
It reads 12h10
